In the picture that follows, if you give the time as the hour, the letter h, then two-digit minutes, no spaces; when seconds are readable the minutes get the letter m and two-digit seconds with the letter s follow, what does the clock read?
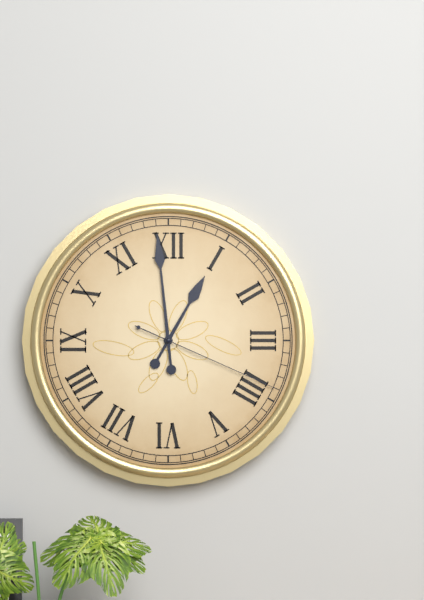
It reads 12h59m19s
